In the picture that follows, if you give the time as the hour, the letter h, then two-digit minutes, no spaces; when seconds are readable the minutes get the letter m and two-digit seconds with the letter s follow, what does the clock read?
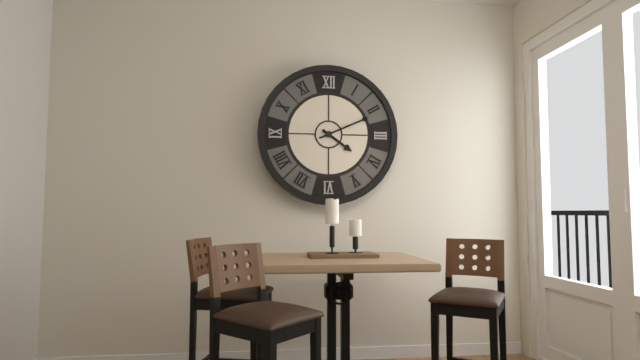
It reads 4h11
